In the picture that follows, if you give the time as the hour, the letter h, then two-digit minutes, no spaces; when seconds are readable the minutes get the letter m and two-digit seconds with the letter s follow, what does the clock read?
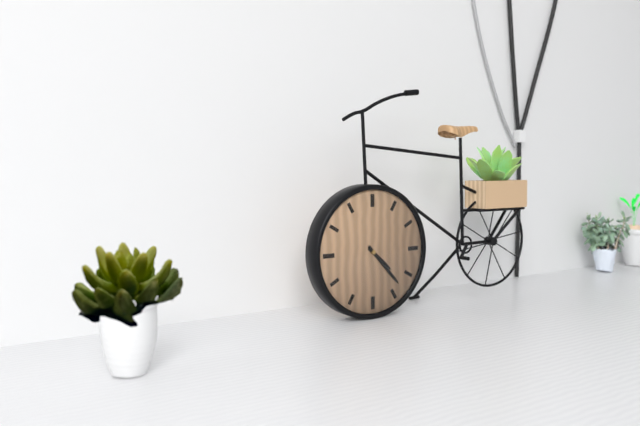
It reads 4h23
